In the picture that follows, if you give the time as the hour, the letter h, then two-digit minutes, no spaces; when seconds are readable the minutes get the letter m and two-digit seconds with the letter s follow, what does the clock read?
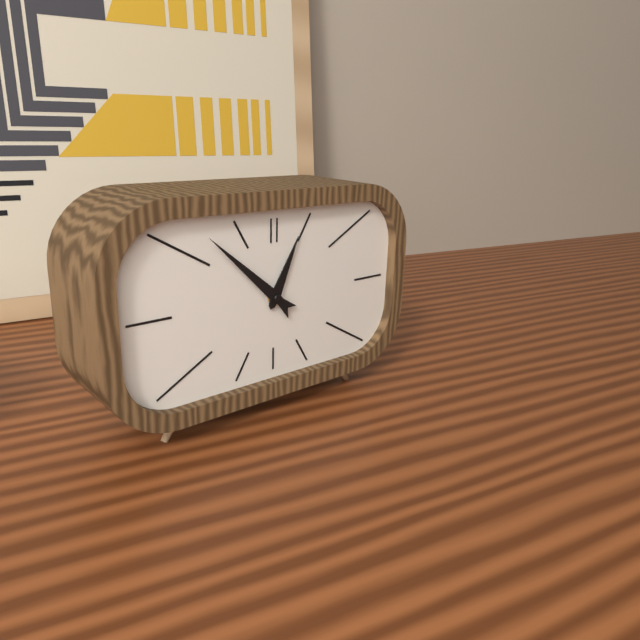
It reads 12h52
